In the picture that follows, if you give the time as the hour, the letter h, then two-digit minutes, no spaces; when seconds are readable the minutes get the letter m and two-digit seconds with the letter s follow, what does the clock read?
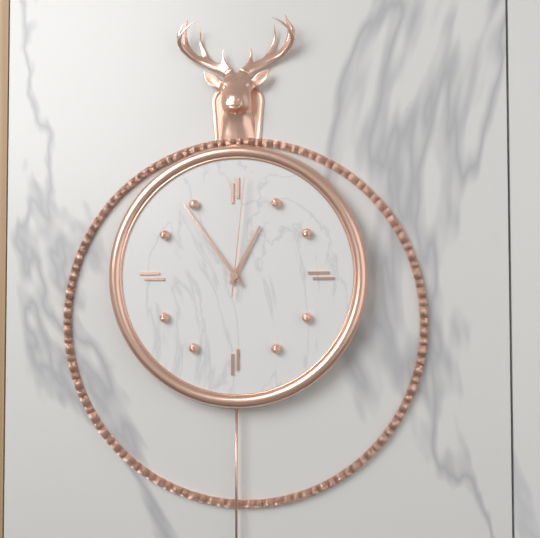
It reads 12h54m01s
